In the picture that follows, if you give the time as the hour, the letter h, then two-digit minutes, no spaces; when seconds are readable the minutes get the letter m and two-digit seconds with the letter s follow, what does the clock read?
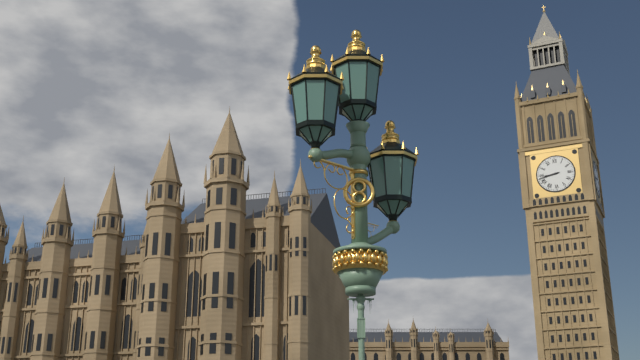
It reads 8h43
